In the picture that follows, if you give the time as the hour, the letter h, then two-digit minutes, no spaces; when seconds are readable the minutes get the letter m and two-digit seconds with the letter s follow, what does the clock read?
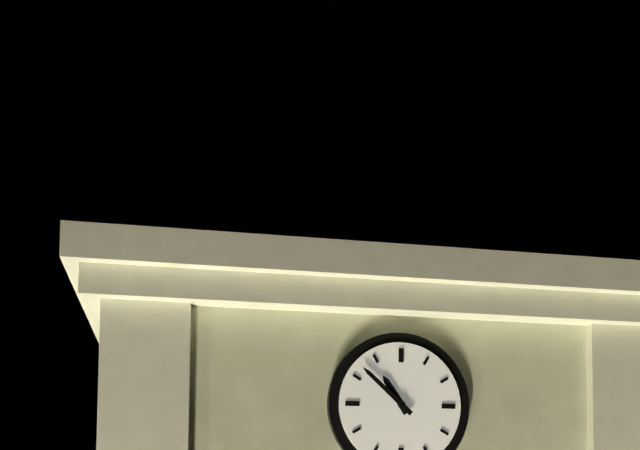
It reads 10h52
